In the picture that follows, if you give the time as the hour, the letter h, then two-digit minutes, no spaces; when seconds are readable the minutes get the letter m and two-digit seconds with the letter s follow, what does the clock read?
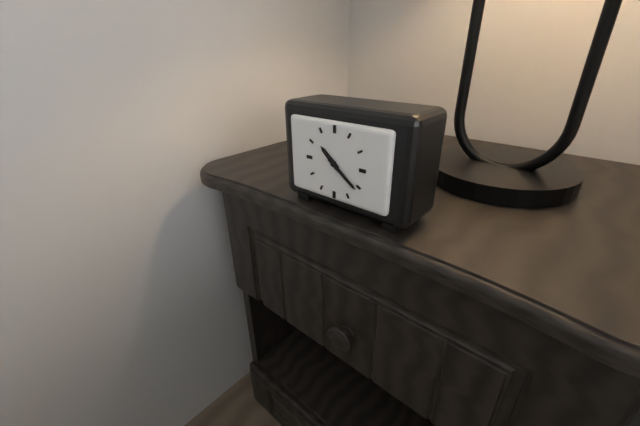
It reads 10h21
